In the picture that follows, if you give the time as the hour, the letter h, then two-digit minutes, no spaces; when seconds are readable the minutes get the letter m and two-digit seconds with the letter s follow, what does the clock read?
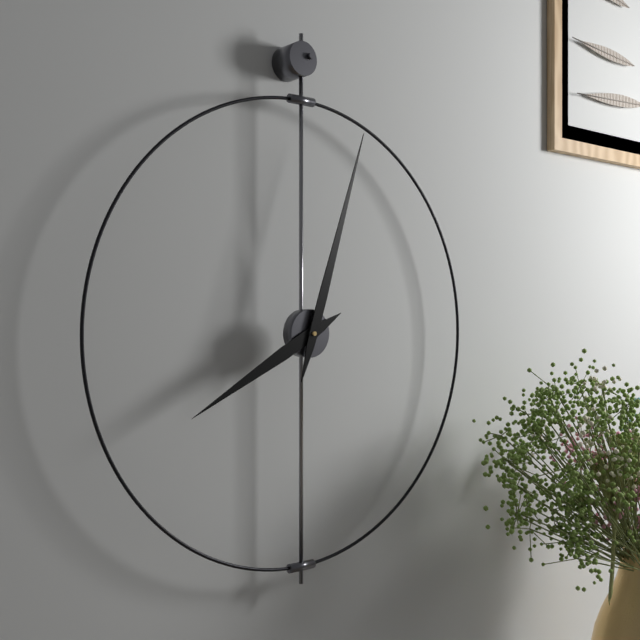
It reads 8h03
